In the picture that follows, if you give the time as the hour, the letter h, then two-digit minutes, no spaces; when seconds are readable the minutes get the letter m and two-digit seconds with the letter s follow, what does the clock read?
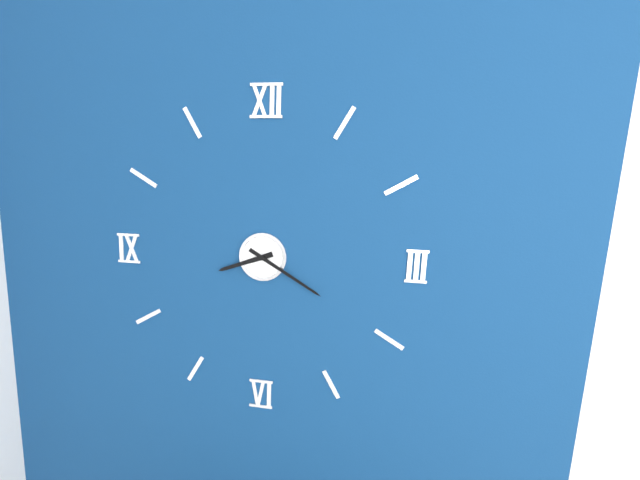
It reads 8h20
